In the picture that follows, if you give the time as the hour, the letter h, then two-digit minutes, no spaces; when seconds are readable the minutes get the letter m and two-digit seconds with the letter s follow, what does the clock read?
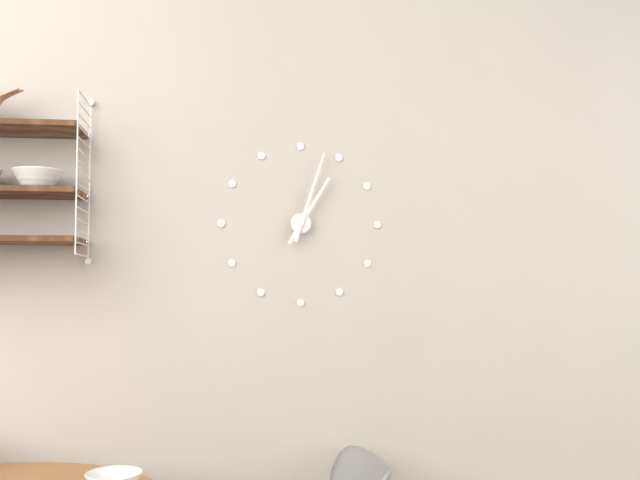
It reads 1h03
